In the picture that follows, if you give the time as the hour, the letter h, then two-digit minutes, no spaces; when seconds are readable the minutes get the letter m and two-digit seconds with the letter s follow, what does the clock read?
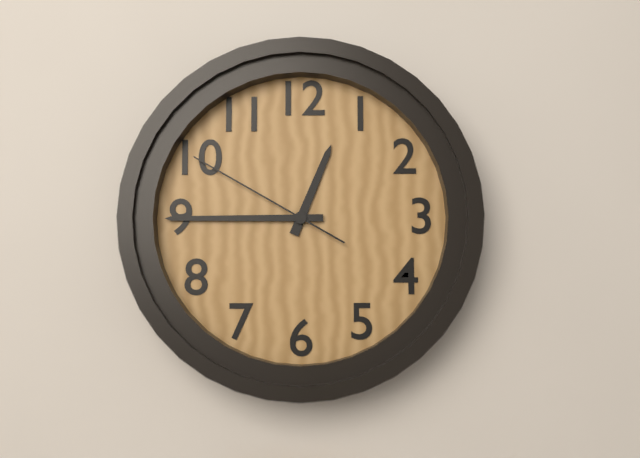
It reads 12h45m50s
